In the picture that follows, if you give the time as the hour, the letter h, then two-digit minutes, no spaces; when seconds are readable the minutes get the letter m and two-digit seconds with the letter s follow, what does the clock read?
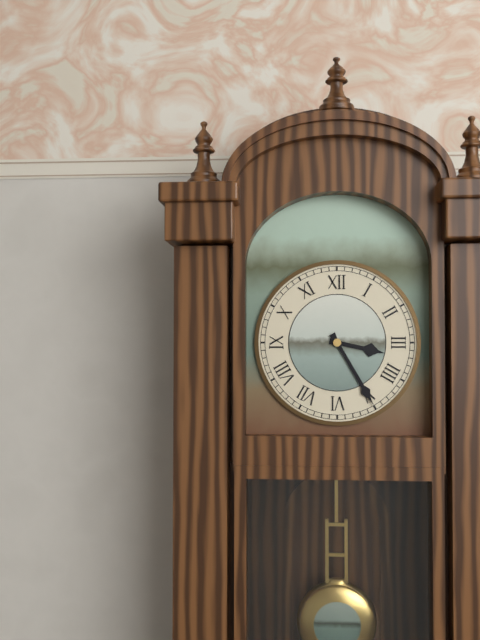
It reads 3h25
